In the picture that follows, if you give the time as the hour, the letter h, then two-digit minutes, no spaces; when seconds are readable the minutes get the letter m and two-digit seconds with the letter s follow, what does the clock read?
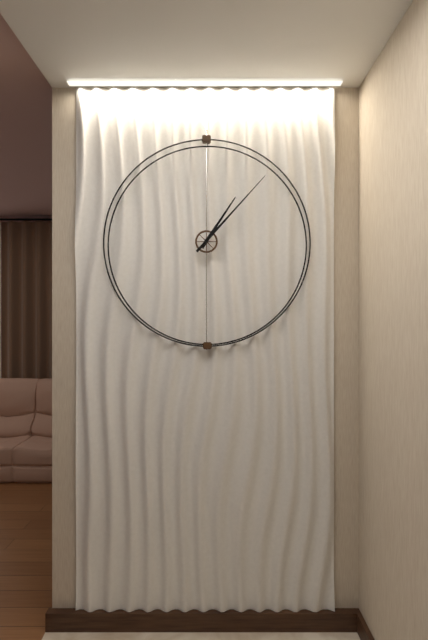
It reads 1h07
